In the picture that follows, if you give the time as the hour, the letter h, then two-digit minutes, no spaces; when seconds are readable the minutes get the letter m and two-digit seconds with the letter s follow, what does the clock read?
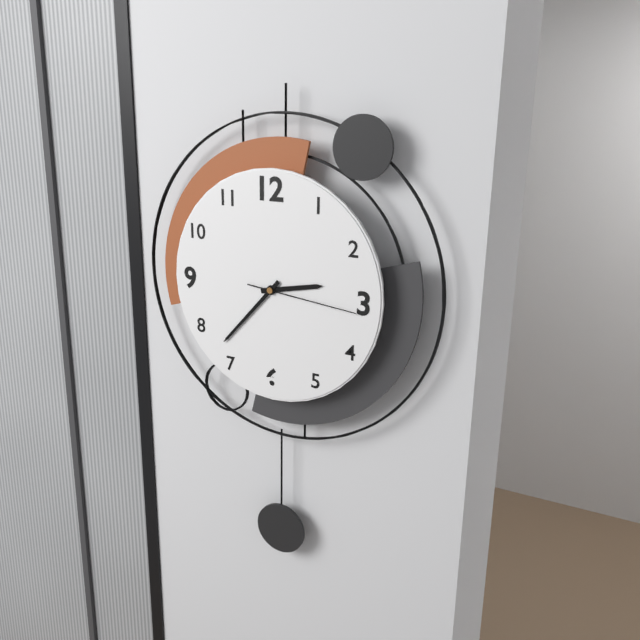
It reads 2h37m16s
